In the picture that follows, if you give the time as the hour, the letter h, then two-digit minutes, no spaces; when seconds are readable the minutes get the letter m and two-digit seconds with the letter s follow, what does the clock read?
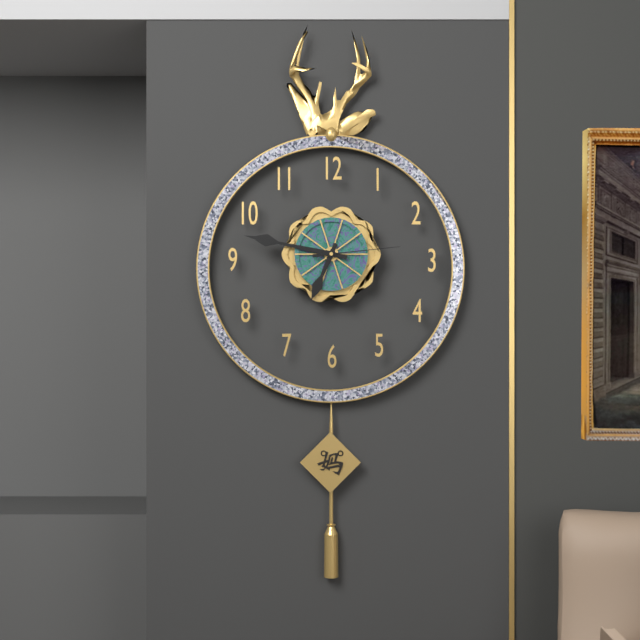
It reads 6h47m14s
